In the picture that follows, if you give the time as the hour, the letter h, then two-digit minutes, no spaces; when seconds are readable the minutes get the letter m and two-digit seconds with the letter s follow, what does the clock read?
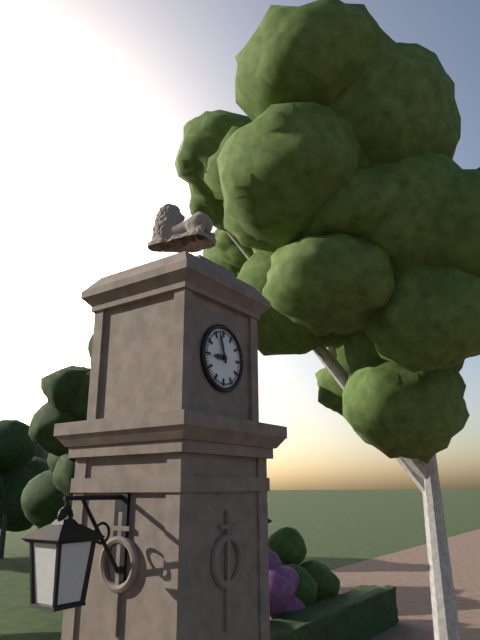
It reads 8h57
